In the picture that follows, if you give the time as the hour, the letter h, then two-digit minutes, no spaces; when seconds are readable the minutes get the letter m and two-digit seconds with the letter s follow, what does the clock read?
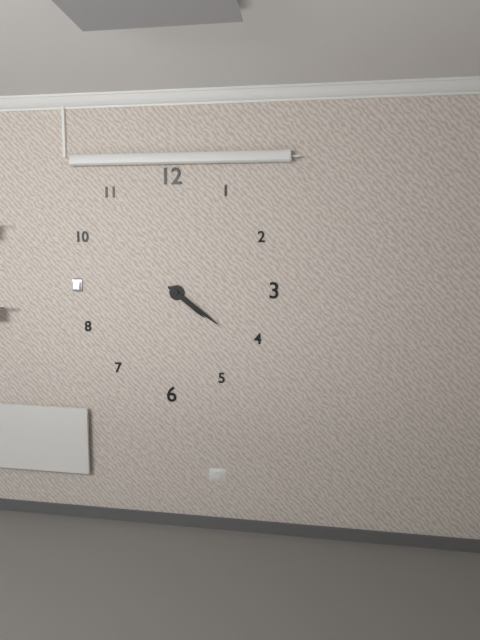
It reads 4h21
